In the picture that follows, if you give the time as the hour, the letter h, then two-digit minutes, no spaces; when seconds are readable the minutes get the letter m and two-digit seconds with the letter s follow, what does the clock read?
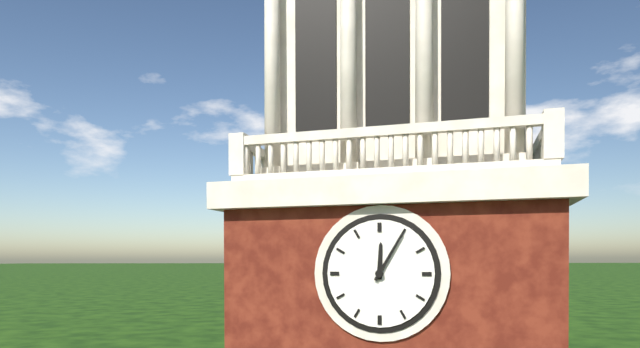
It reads 12h05
